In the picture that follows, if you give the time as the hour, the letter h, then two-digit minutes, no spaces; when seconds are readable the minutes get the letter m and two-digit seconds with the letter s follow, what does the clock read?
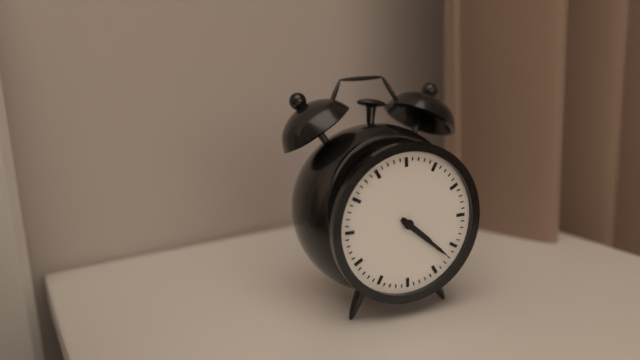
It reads 4h22
